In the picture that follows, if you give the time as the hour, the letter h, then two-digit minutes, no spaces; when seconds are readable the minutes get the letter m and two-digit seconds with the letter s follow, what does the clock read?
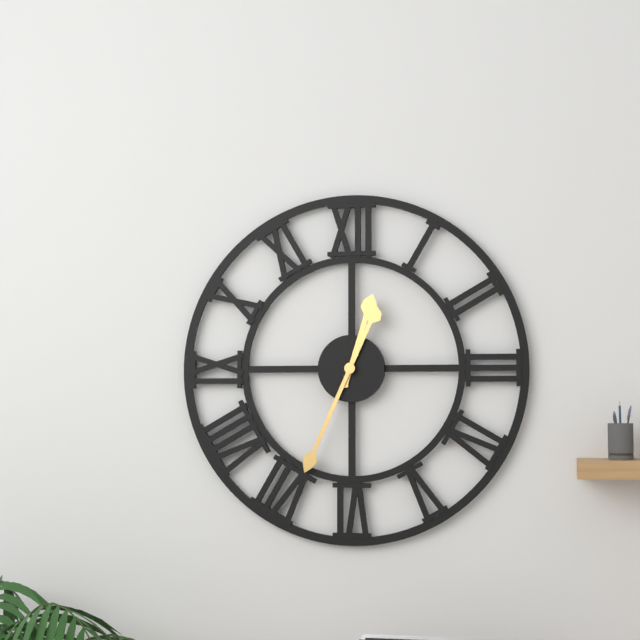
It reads 12h34
